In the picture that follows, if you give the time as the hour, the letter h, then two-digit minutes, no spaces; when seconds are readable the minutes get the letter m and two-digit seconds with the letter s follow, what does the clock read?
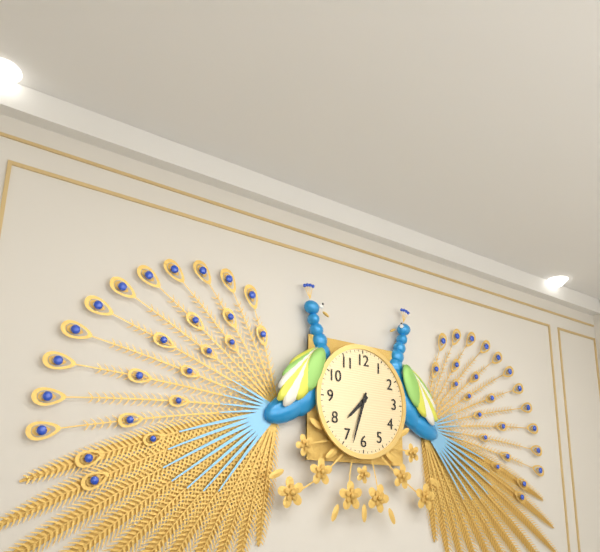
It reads 7h33
